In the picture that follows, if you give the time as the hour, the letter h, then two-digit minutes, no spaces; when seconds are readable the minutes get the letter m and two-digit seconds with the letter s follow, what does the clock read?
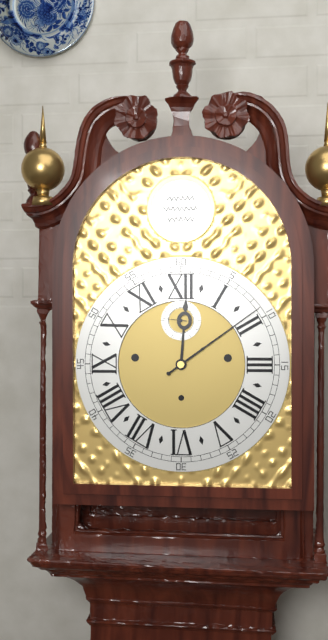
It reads 12h09
